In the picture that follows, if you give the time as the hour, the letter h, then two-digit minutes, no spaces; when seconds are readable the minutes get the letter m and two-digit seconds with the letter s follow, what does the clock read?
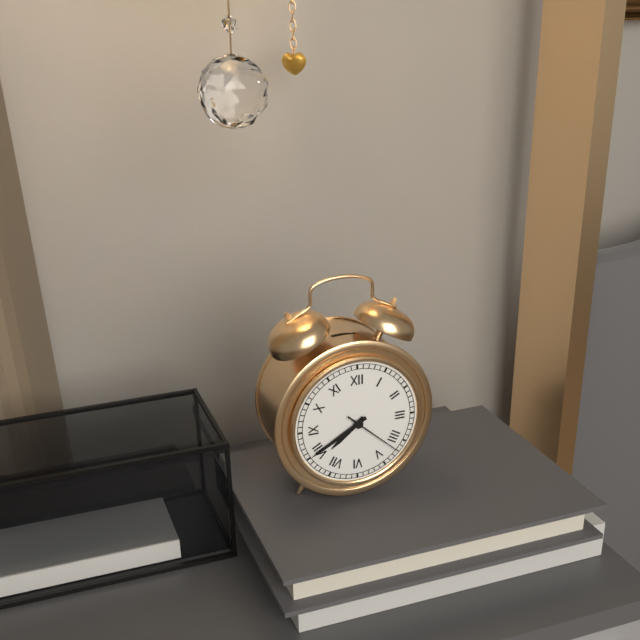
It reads 7h40m22s
